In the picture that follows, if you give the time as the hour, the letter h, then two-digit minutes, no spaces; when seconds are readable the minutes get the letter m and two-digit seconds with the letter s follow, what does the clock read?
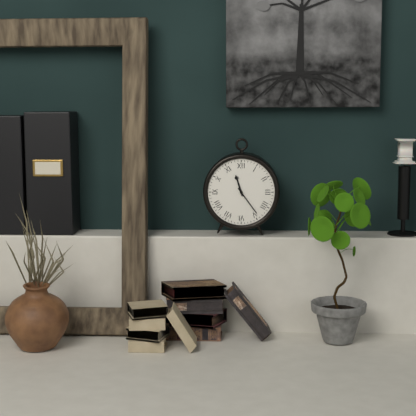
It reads 11h24
